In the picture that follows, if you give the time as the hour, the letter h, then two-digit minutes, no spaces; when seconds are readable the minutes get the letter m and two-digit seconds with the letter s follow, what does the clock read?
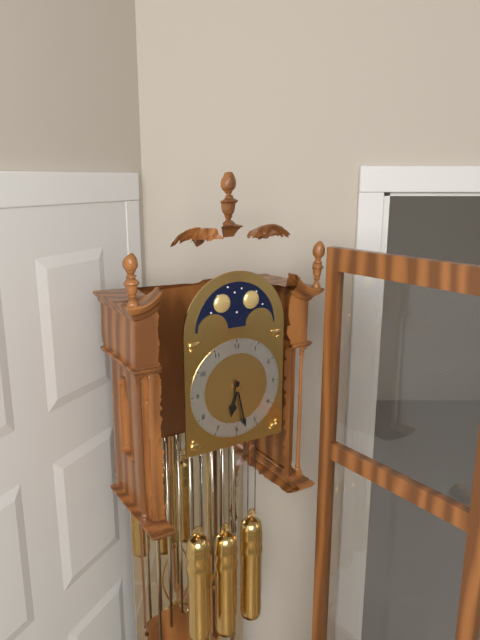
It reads 6h28
